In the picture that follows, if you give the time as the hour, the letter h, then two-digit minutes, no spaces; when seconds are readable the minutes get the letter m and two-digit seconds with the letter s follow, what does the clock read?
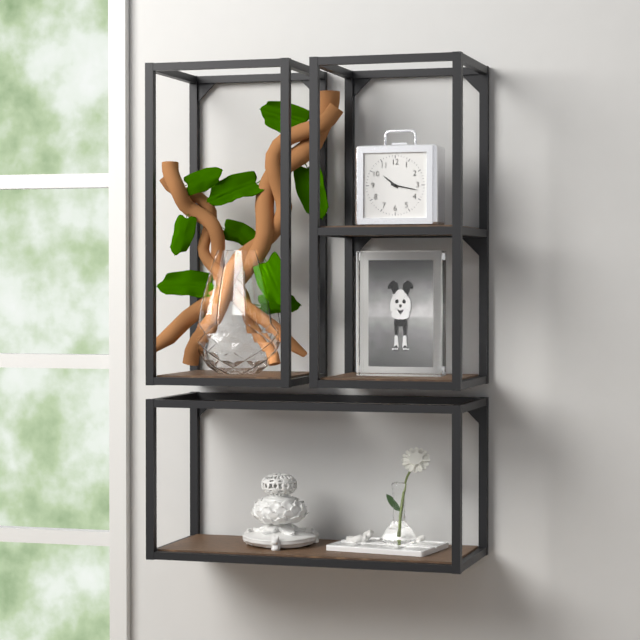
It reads 10h17
